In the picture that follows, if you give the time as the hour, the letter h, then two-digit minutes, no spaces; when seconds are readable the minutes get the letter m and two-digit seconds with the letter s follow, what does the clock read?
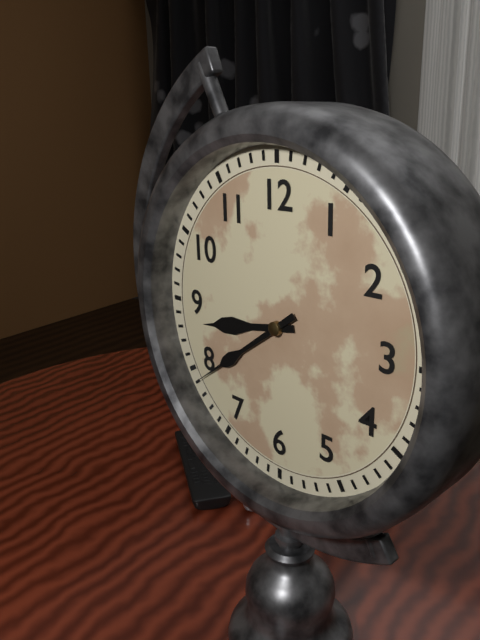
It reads 8h39
